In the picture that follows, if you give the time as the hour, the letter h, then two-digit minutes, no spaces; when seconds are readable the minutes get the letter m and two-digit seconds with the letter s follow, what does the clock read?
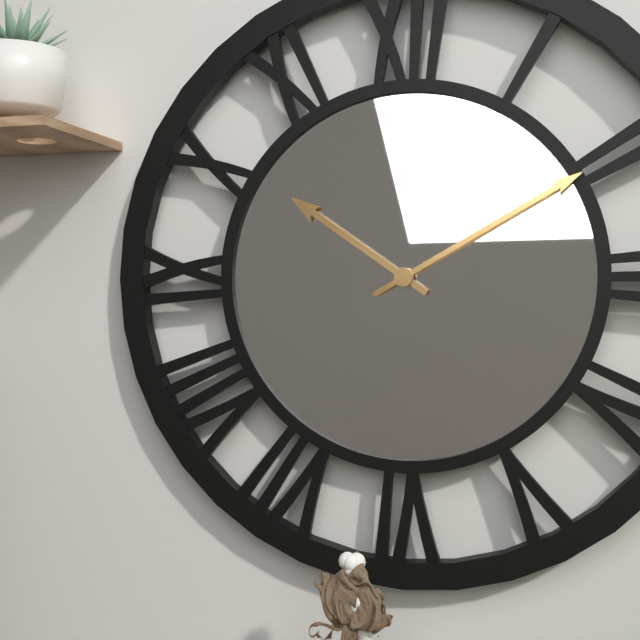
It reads 10h10
